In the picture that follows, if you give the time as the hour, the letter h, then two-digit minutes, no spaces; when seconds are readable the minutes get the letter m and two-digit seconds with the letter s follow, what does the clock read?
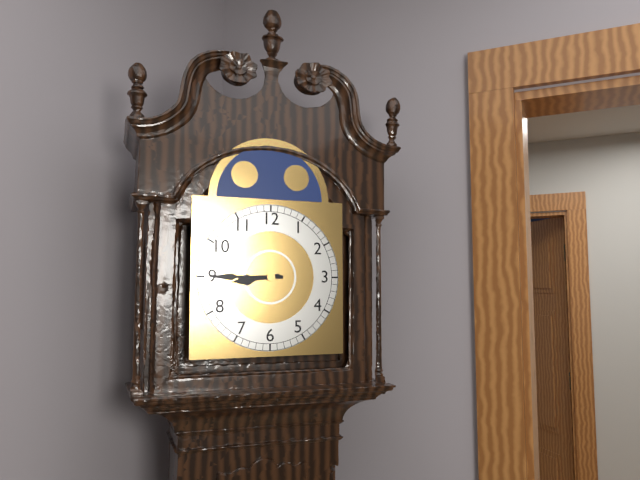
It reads 8h45
